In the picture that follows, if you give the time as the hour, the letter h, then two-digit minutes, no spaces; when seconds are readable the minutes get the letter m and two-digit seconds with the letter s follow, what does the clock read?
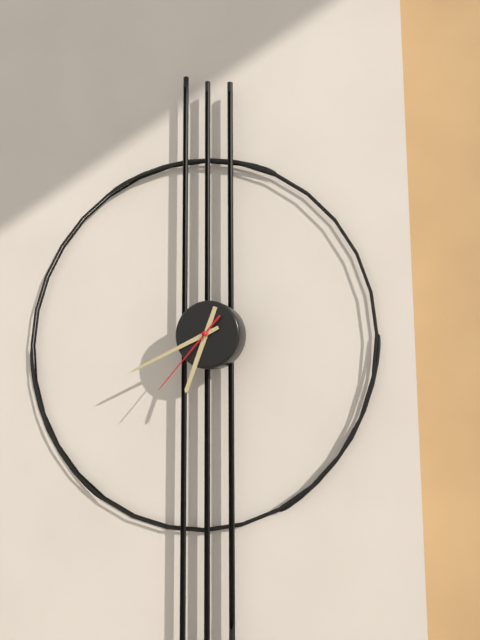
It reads 6h41m37s
